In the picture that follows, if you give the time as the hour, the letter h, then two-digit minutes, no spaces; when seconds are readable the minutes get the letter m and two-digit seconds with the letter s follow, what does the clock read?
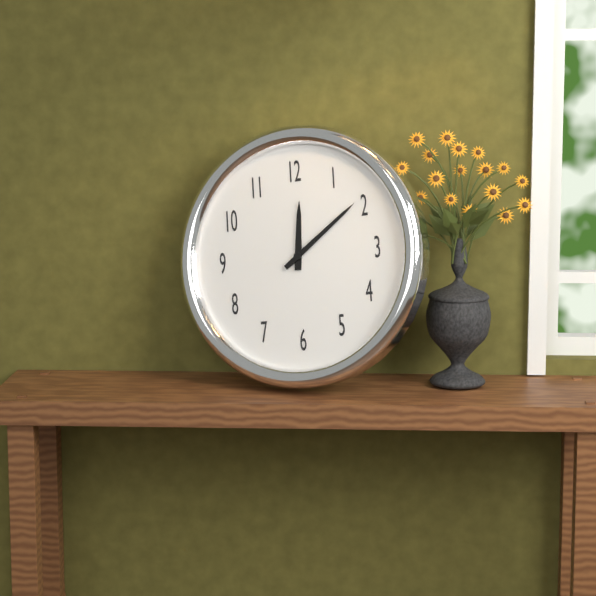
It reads 12h09
